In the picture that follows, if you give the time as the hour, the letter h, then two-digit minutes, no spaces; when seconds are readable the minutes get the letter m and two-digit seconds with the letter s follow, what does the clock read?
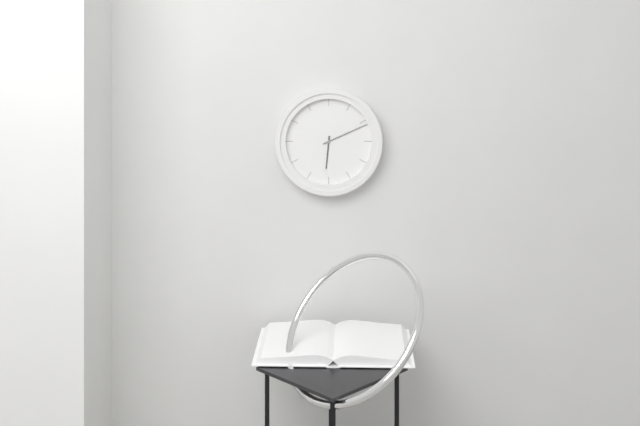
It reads 6h11
